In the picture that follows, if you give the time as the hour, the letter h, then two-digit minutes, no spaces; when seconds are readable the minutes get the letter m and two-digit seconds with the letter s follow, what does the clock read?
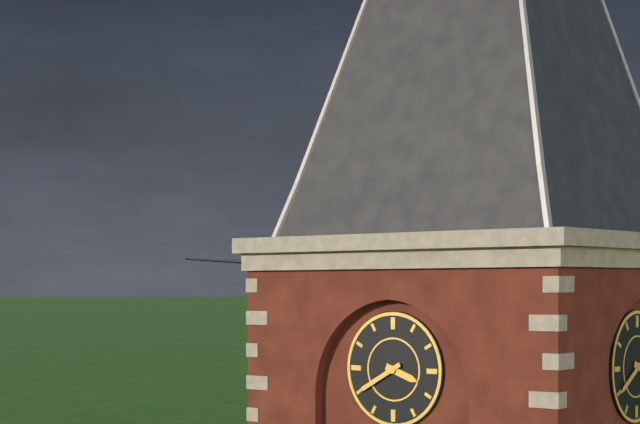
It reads 3h40
